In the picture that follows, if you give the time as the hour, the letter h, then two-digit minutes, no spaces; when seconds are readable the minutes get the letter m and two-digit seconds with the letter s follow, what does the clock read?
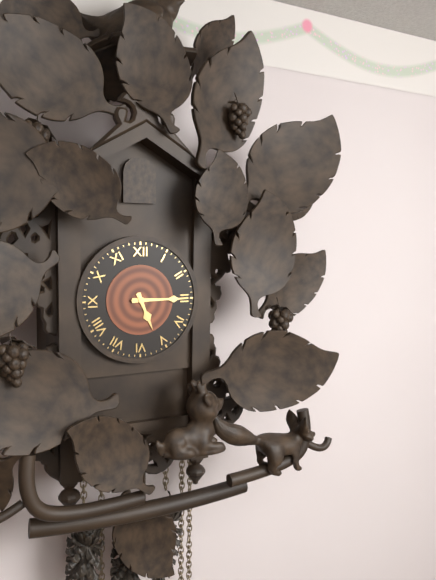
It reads 5h15
